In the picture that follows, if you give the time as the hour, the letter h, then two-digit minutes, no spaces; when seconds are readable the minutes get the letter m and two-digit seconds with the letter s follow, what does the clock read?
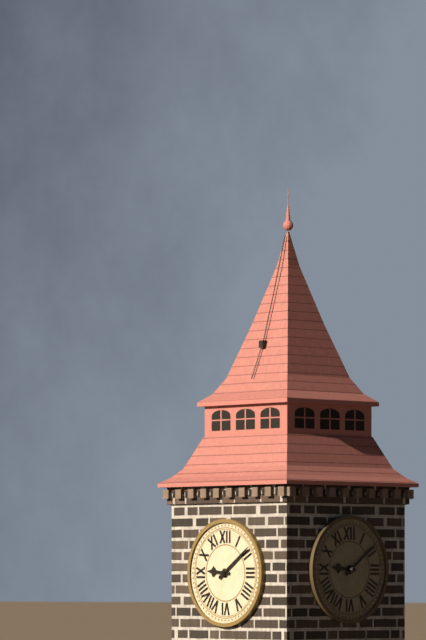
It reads 9h09
